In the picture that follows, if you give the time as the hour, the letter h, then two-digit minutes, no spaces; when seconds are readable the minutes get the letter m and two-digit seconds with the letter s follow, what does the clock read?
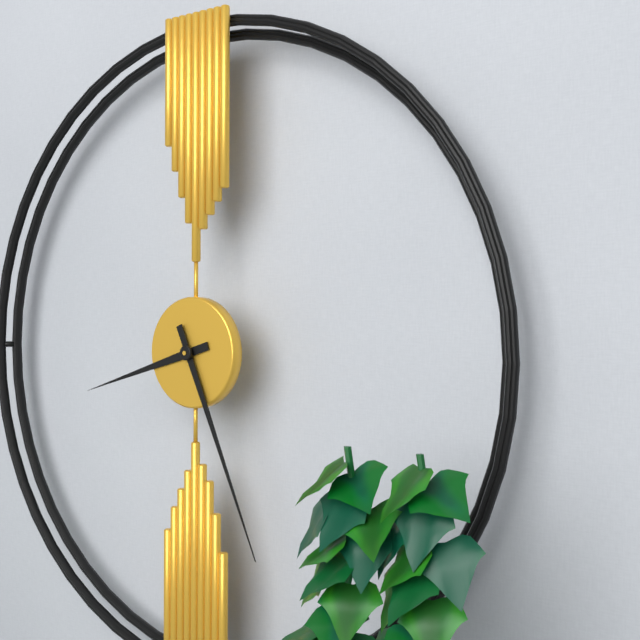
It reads 8h26
